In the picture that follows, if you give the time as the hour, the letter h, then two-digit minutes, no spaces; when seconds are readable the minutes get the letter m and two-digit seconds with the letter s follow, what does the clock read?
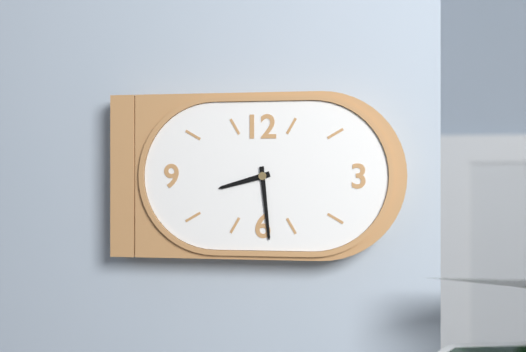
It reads 8h29
